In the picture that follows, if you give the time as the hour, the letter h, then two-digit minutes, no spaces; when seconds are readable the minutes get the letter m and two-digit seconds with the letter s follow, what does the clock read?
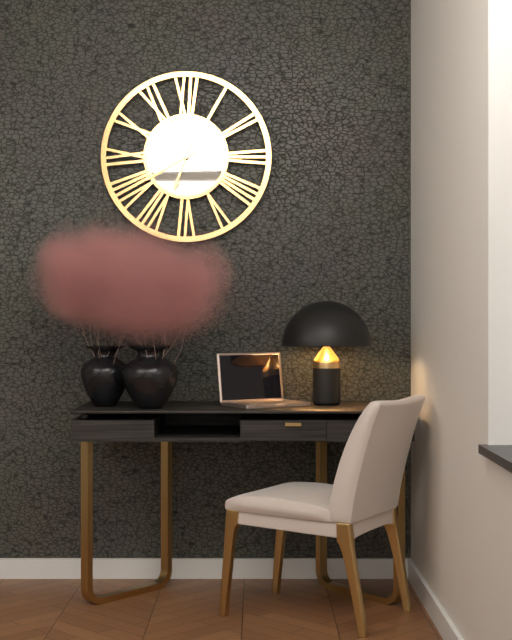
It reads 6h40
